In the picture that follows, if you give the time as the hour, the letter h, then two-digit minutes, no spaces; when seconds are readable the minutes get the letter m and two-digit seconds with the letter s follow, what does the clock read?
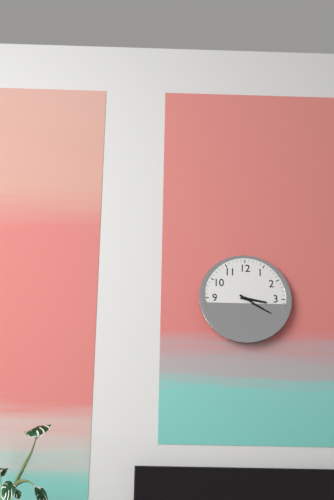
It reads 3h20
